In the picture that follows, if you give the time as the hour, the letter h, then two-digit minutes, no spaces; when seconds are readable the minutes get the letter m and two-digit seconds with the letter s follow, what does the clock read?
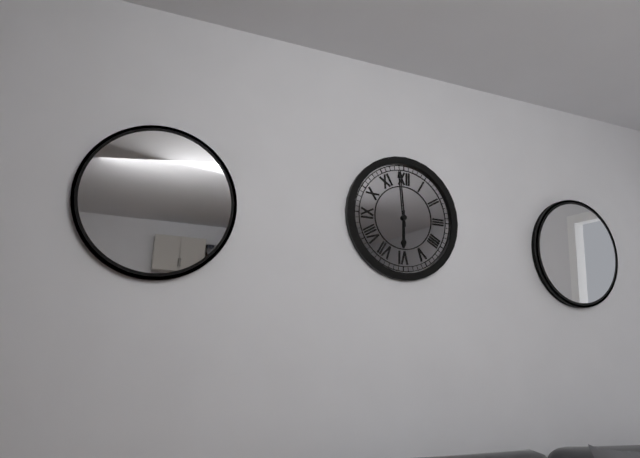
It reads 5h59
